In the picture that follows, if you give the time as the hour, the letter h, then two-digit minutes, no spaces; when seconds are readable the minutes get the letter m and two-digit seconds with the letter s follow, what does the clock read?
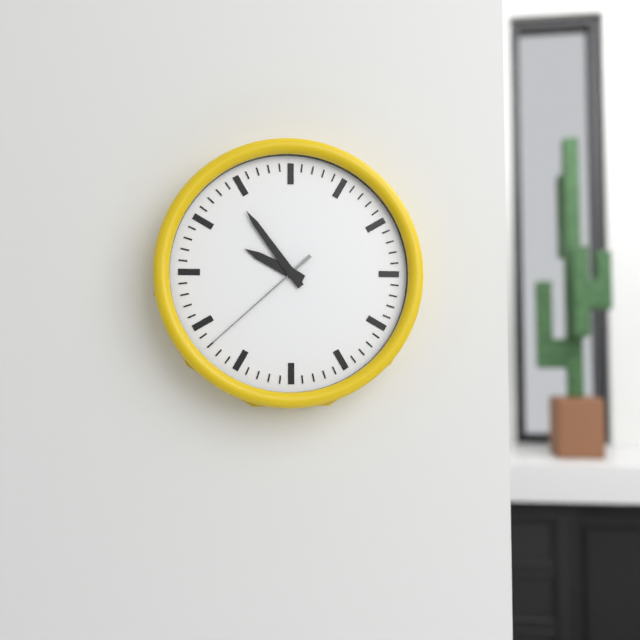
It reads 9h54m38s
